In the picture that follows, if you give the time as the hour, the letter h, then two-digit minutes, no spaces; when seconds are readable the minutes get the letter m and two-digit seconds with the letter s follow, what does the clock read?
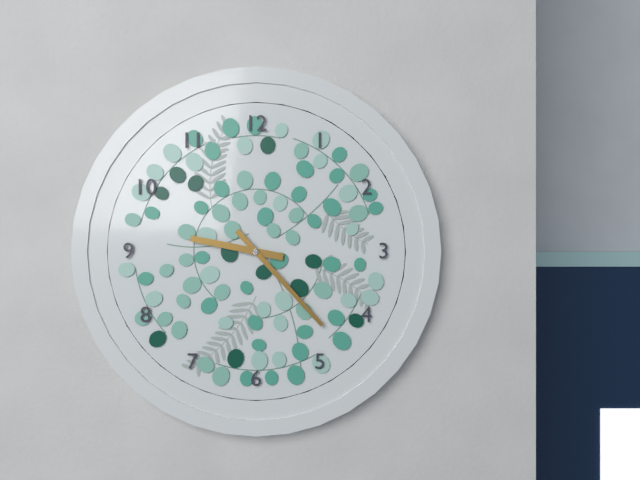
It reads 9h23
